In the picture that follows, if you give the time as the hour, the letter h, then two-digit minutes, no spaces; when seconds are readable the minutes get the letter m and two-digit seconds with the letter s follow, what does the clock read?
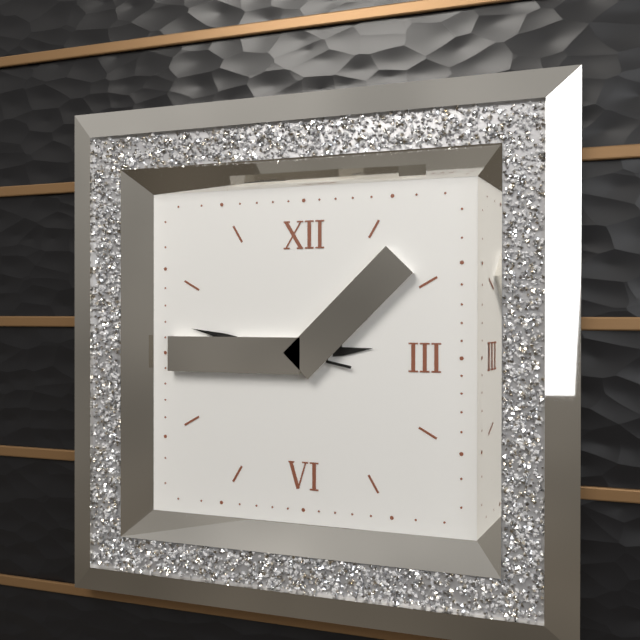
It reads 2h47m47s
